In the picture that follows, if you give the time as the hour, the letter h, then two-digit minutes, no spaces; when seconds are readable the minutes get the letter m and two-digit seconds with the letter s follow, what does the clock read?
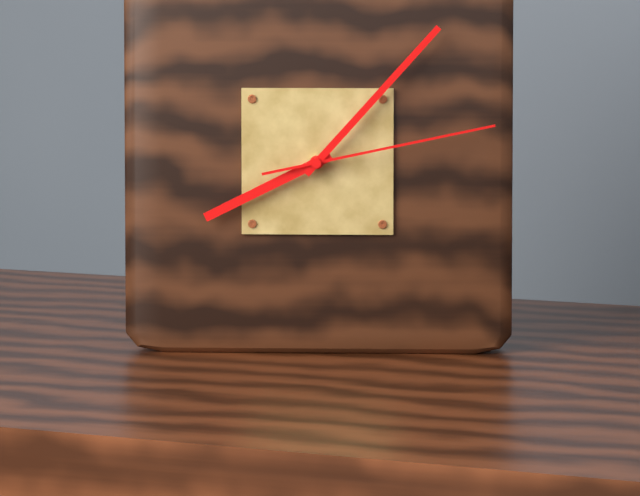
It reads 8h07m13s
